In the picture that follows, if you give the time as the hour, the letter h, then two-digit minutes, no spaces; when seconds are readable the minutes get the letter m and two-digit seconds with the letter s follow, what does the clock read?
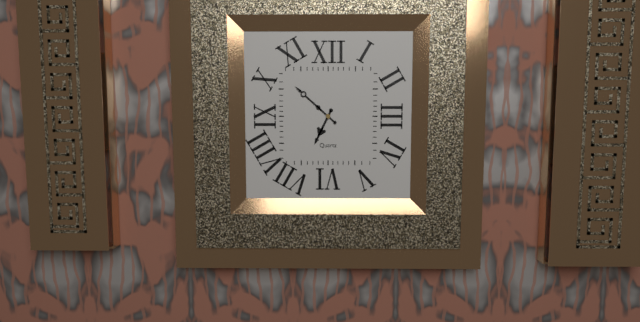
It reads 6h52
